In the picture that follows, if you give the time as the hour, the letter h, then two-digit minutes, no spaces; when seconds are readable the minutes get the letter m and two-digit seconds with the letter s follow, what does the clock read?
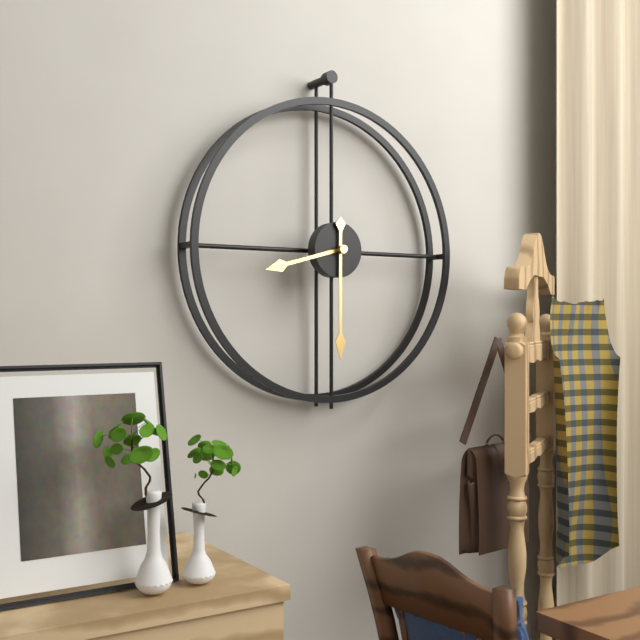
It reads 8h30
